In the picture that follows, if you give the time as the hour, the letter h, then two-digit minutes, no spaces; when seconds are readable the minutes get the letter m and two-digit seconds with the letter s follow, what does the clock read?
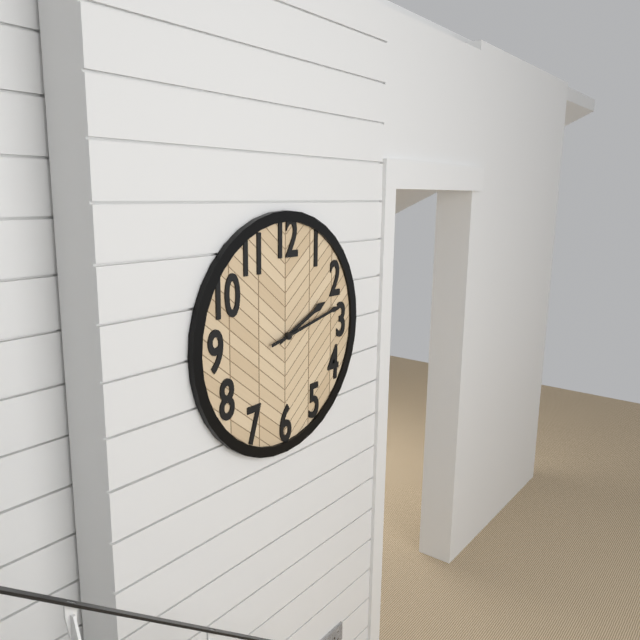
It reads 2h13
